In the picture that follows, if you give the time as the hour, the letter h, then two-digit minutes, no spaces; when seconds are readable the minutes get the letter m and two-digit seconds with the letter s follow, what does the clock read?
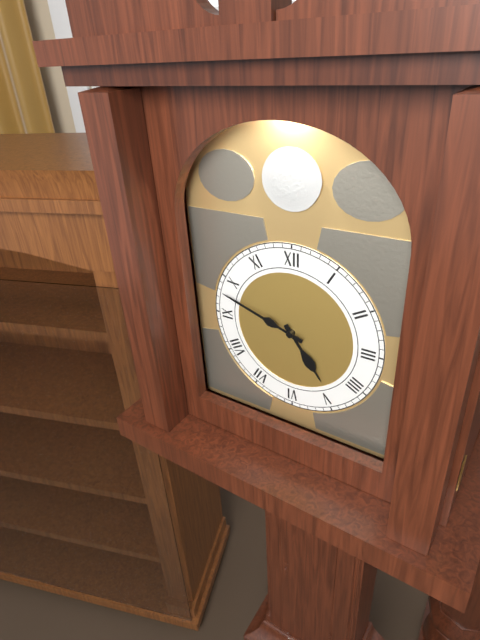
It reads 4h48
